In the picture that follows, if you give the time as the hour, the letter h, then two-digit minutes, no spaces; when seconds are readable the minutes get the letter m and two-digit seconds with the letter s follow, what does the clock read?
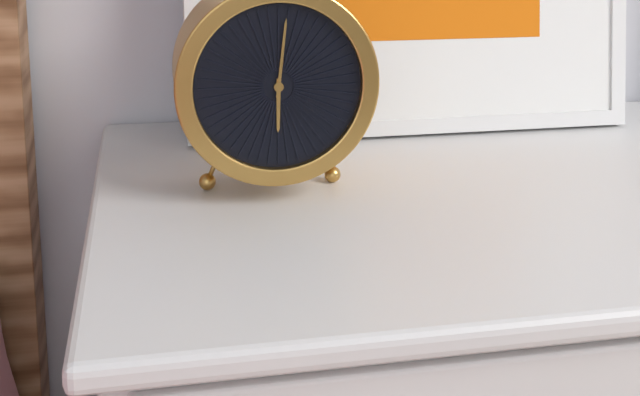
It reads 6h01
